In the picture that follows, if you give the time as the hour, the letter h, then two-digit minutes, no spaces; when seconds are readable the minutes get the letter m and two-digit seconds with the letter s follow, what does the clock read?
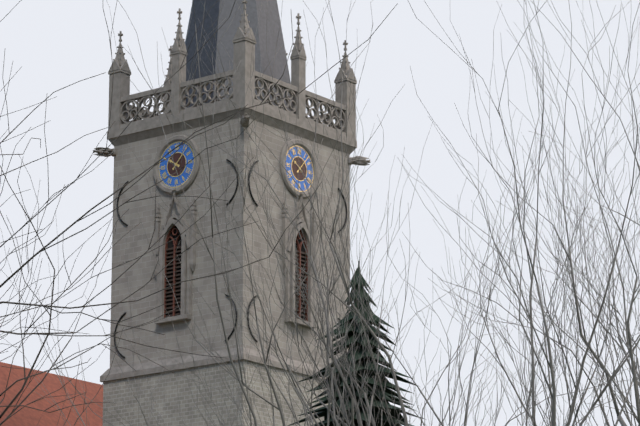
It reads 10h07
